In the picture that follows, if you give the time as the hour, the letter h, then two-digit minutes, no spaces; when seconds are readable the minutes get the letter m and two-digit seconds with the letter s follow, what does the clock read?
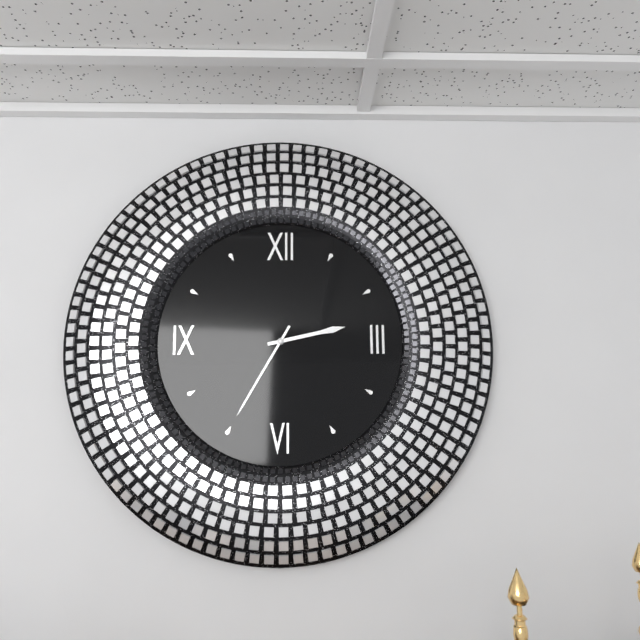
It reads 2h35
